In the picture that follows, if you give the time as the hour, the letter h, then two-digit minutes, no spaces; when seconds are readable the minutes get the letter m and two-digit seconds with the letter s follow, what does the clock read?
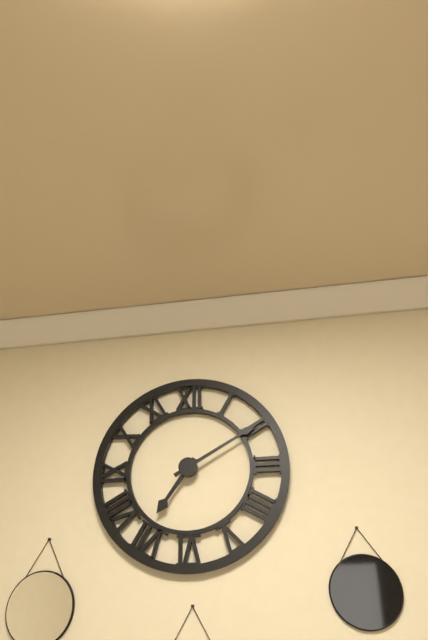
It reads 7h10
